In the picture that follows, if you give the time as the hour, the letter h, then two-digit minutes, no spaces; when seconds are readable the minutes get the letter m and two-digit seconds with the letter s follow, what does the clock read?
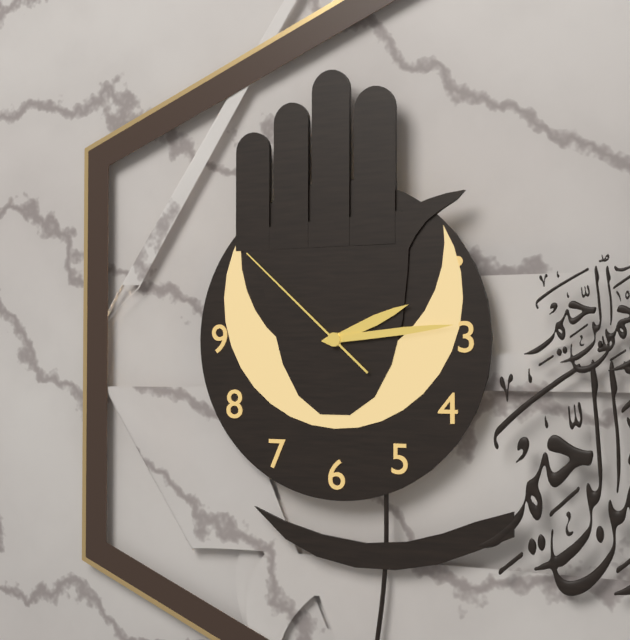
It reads 2h14m52s
